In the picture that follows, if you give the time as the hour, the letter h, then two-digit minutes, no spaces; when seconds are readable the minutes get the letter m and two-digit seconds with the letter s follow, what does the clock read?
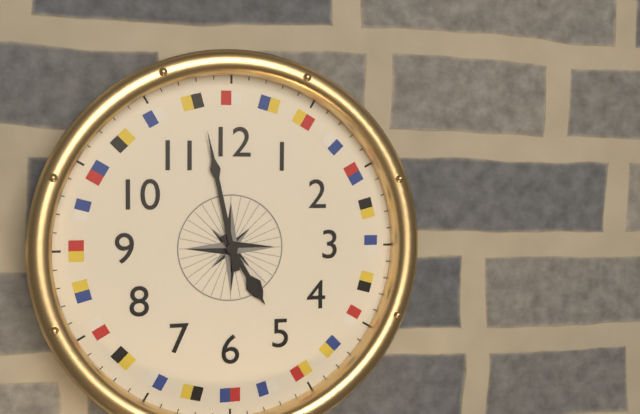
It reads 4h58
